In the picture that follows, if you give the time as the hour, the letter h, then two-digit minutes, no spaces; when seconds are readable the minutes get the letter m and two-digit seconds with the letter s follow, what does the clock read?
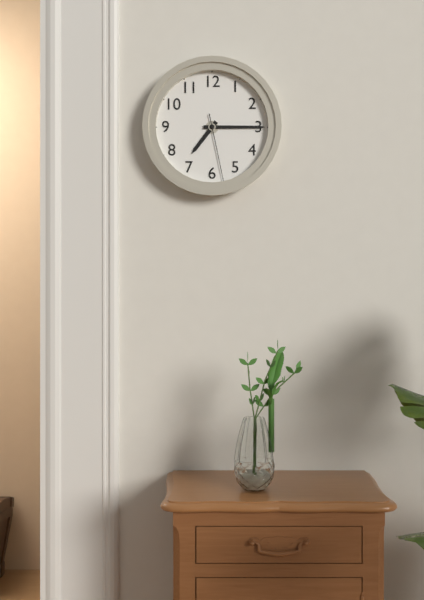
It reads 7h15m28s
